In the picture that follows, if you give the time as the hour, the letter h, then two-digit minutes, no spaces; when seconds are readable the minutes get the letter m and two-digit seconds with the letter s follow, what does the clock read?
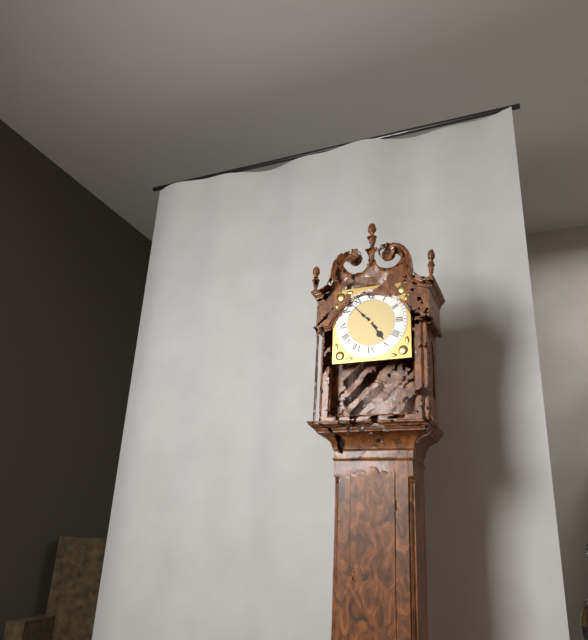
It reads 4h53
